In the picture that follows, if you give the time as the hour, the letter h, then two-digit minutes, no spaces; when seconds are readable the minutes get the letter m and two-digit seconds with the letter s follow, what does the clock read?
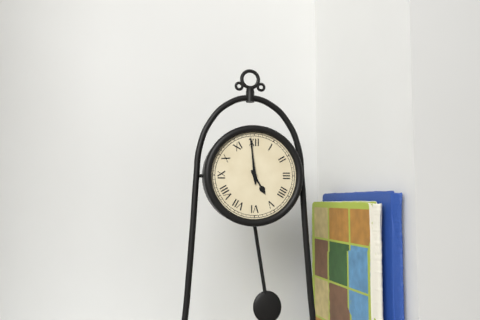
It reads 4h59
